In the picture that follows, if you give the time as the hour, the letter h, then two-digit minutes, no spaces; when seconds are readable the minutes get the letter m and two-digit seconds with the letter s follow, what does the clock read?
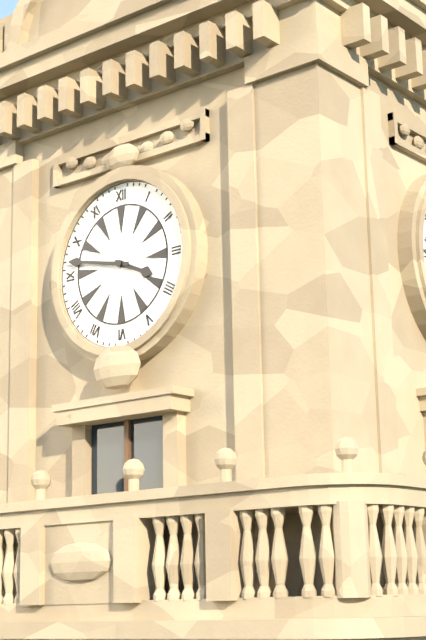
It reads 3h47
